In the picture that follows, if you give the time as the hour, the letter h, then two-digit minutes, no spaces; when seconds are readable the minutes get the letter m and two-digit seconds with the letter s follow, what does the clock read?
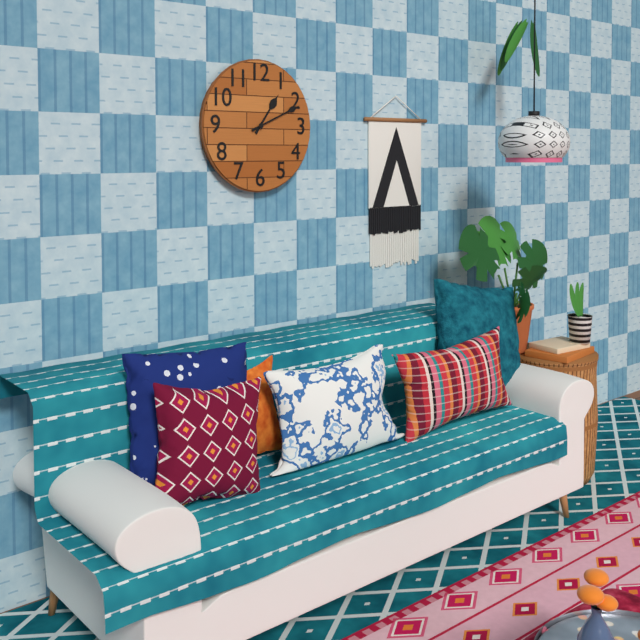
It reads 1h11
